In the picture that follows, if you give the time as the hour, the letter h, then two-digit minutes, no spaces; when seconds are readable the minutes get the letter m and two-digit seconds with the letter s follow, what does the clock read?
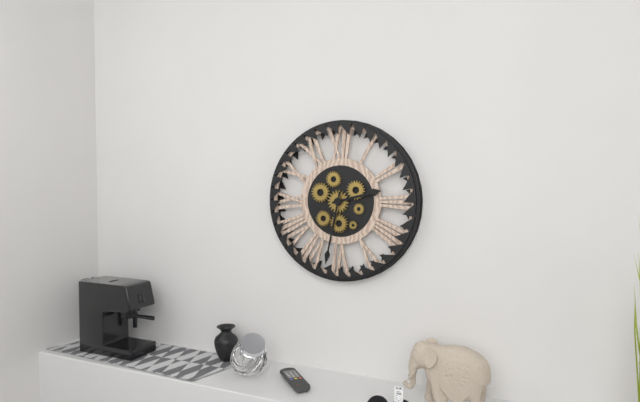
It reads 2h32
